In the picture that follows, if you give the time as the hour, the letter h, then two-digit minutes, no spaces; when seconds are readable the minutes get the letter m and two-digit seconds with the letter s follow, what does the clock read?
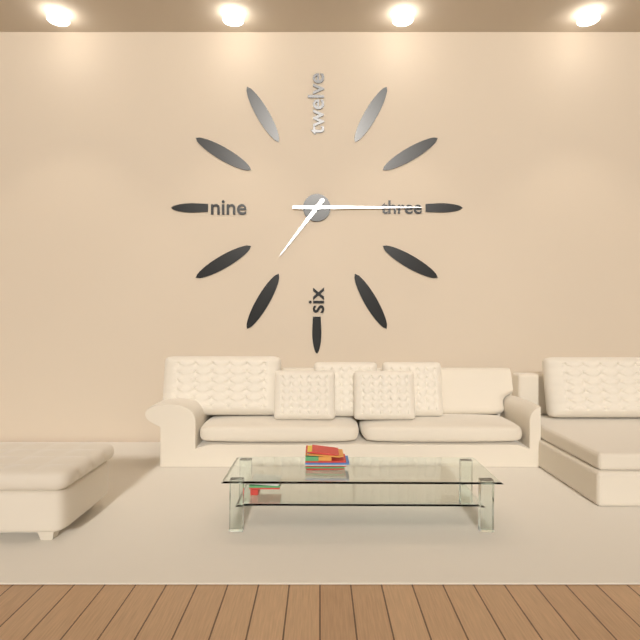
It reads 7h15
